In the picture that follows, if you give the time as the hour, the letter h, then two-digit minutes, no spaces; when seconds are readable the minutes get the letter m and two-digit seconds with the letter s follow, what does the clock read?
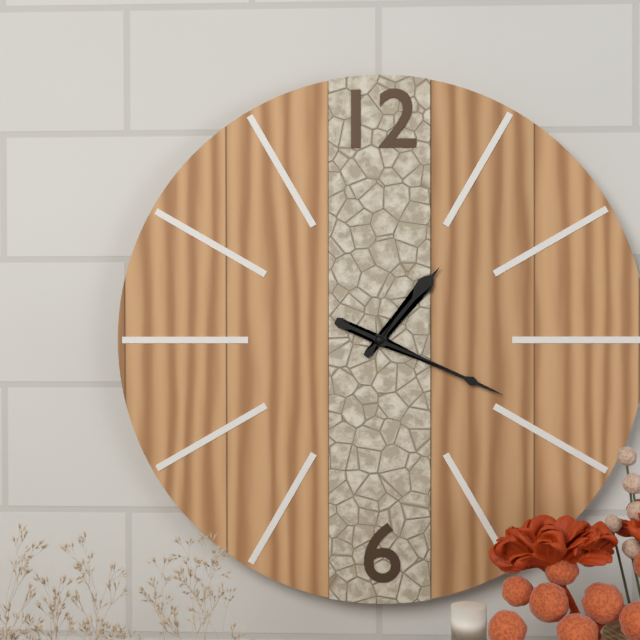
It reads 1h19
